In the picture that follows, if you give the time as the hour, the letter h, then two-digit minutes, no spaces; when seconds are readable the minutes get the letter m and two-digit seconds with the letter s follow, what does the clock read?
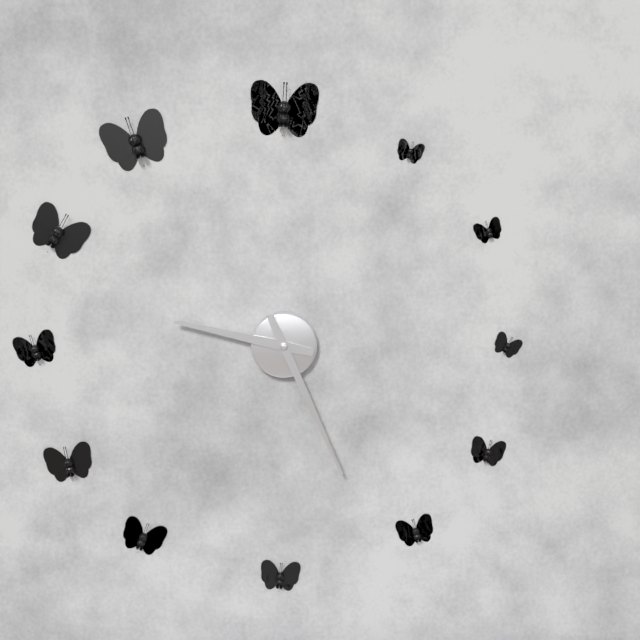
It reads 9h26
